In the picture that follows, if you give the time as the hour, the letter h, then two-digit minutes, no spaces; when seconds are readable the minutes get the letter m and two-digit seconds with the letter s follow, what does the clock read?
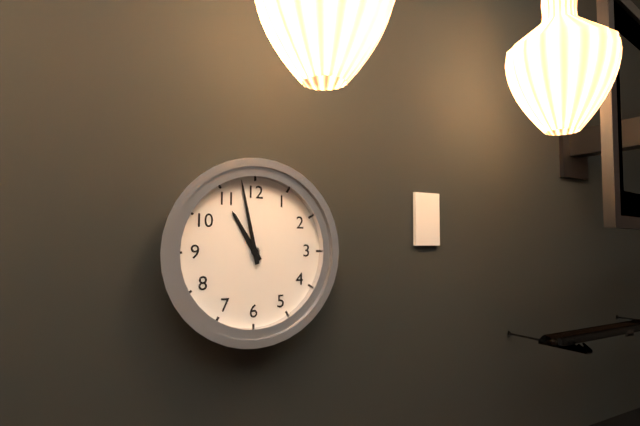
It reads 10h58
